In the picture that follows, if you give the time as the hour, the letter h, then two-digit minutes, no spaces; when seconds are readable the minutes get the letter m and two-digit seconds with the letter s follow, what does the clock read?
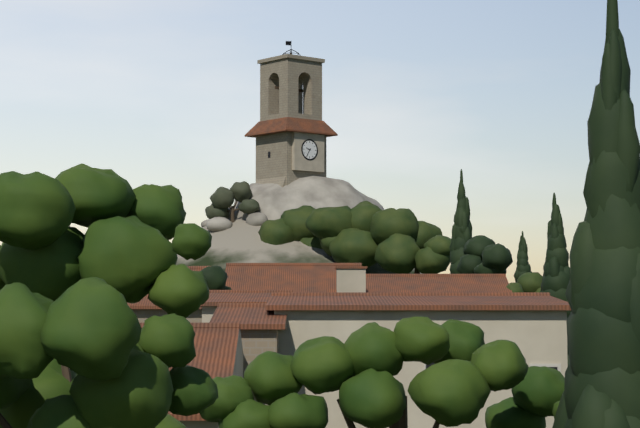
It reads 9h35
